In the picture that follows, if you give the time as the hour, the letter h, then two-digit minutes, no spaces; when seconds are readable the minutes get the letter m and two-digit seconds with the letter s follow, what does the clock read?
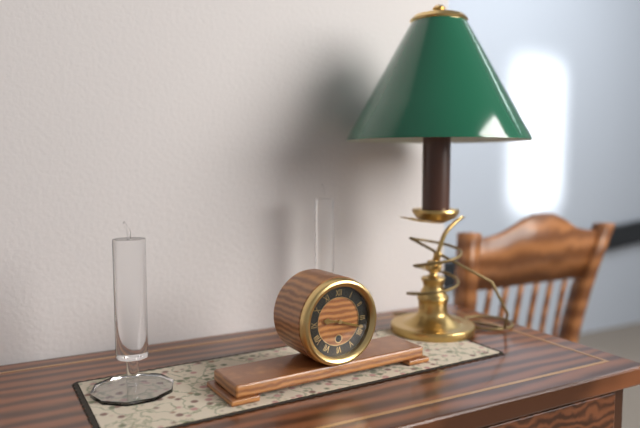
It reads 9h18
